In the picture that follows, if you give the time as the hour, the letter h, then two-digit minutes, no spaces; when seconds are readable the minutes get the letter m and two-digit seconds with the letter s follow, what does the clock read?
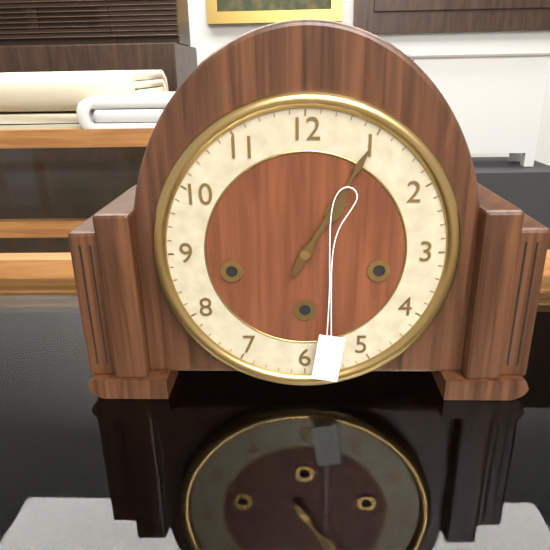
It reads 1h05
